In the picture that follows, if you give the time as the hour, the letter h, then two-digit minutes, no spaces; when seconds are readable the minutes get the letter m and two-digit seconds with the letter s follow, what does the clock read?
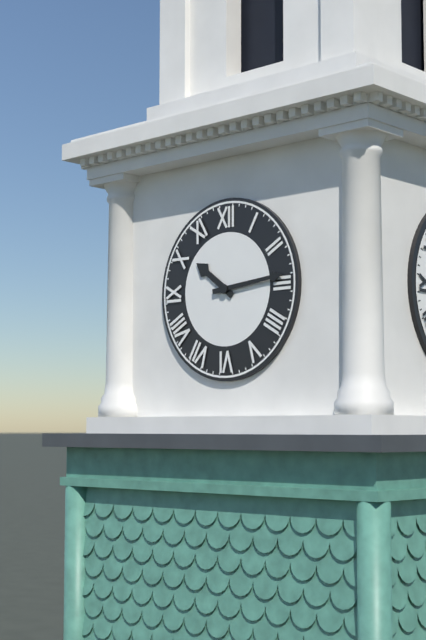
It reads 10h14
